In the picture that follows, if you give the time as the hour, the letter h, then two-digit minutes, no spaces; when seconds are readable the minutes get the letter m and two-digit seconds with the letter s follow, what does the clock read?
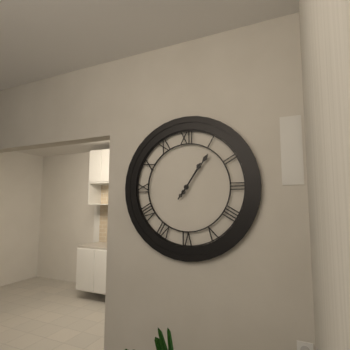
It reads 1h06
